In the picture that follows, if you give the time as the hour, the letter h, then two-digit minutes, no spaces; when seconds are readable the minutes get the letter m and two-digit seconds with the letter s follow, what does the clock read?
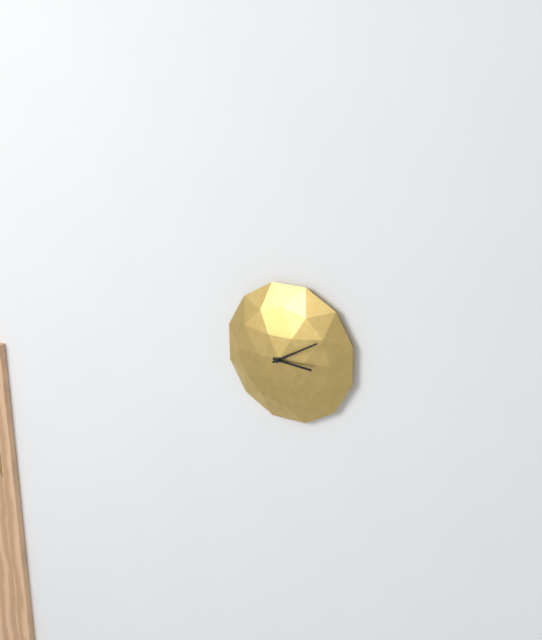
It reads 3h10
